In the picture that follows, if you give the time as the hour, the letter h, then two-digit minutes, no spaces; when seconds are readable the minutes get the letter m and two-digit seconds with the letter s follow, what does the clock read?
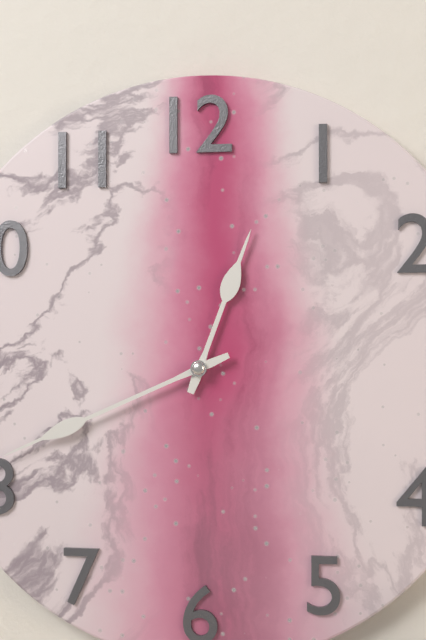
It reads 12h41
